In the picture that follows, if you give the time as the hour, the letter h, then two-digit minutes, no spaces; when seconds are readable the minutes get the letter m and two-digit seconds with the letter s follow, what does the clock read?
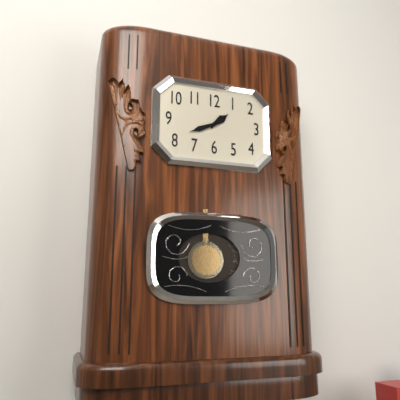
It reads 1h41
